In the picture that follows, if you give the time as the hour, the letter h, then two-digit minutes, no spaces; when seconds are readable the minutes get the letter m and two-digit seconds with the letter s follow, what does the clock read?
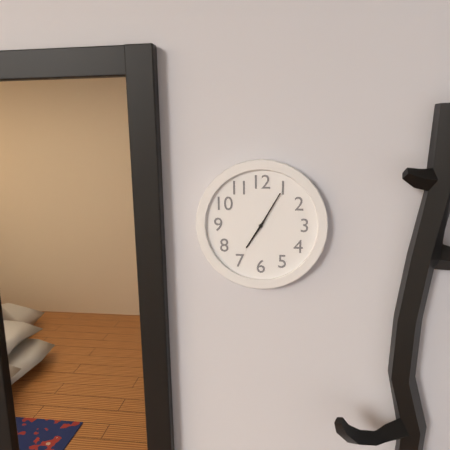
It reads 7h05
